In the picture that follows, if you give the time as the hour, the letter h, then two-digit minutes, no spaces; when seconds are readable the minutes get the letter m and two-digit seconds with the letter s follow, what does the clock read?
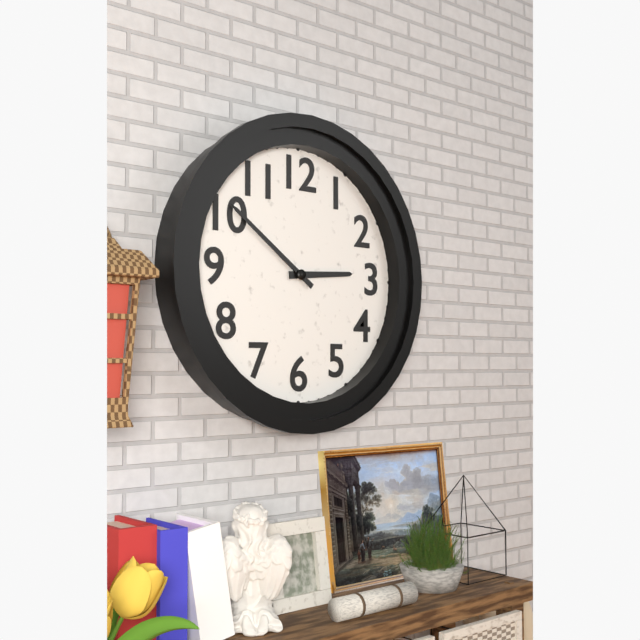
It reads 2h51
